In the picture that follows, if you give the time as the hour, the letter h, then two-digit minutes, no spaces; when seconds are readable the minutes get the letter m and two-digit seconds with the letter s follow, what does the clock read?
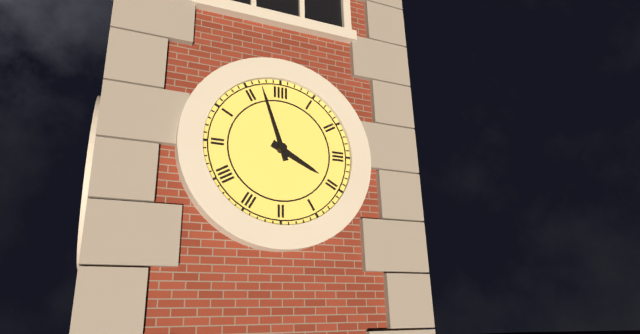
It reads 3h57
